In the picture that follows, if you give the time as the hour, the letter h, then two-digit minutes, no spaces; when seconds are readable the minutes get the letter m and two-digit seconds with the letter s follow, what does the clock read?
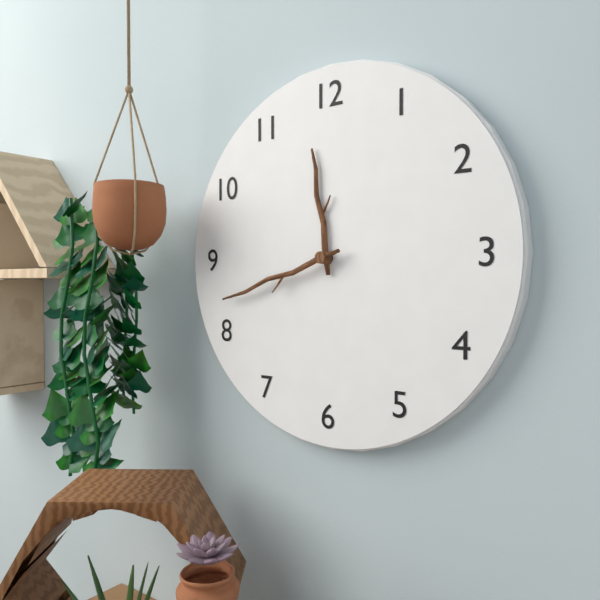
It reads 11h42
